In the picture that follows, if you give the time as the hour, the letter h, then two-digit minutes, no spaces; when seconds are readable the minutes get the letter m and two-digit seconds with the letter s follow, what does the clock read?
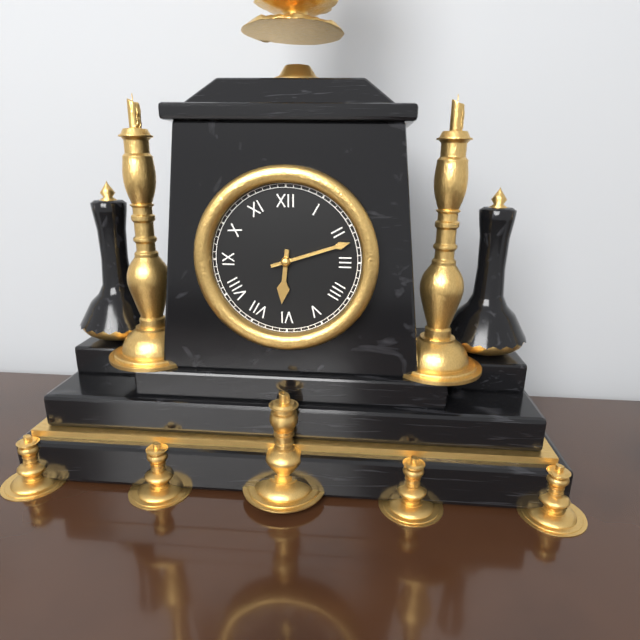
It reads 6h12
